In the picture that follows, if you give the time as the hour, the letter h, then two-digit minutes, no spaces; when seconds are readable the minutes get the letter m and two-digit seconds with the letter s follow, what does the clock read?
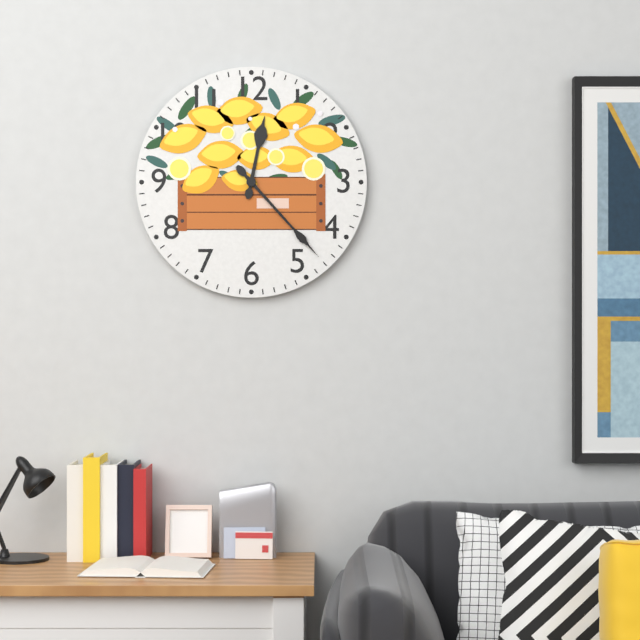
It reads 12h23
